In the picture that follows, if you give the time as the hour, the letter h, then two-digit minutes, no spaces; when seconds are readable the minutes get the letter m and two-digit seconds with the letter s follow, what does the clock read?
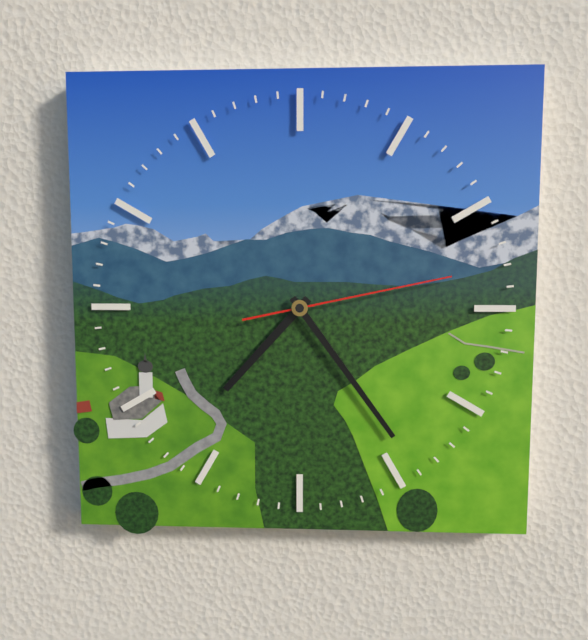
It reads 7h24m13s
